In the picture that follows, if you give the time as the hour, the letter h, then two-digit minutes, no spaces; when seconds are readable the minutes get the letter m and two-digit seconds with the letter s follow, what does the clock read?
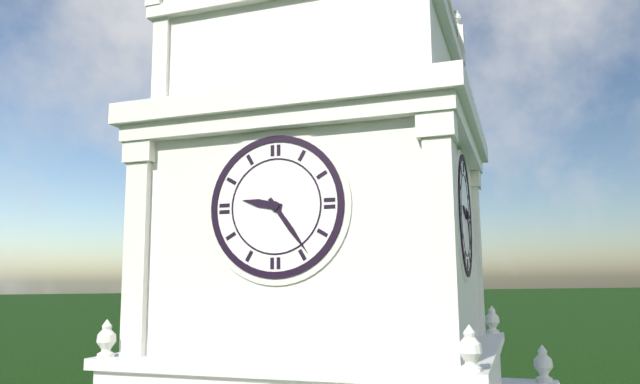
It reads 9h24
